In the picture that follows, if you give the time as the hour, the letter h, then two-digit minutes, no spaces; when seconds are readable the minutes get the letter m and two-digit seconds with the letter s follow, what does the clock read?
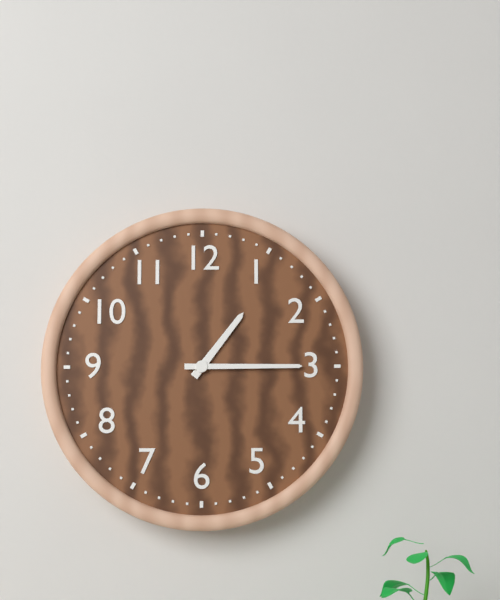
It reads 1h15
